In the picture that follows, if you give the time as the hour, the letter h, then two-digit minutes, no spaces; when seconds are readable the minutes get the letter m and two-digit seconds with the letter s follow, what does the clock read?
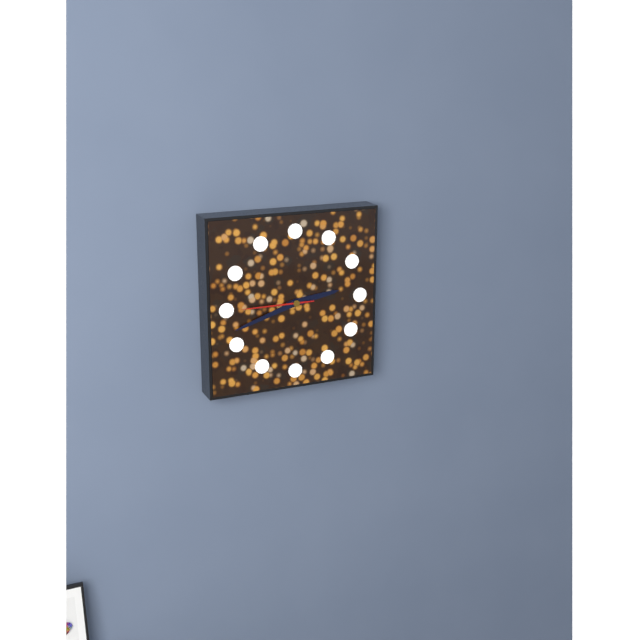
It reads 2h42m45s
